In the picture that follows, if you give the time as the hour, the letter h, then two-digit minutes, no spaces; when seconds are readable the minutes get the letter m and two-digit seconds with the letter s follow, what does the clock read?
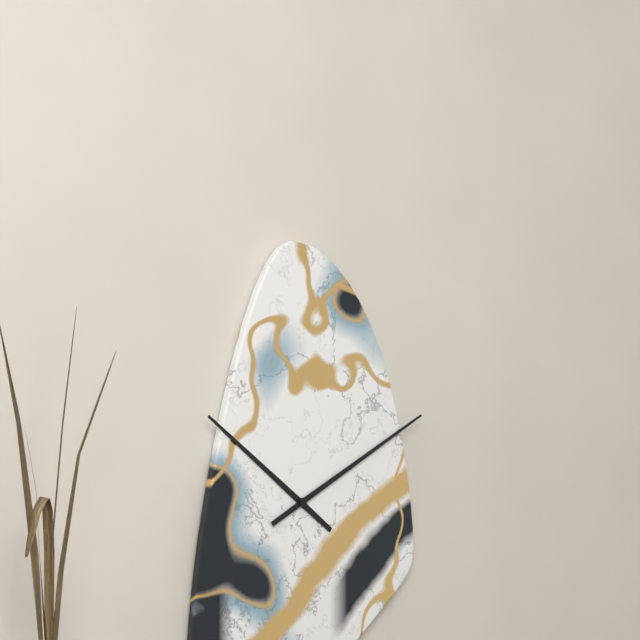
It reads 10h10
